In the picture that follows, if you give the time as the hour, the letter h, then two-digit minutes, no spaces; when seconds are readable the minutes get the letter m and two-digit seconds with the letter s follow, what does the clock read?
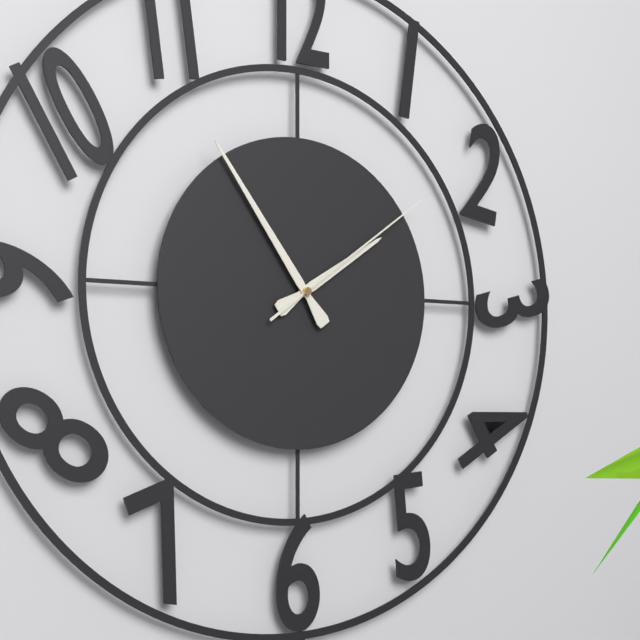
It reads 1h54m09s
